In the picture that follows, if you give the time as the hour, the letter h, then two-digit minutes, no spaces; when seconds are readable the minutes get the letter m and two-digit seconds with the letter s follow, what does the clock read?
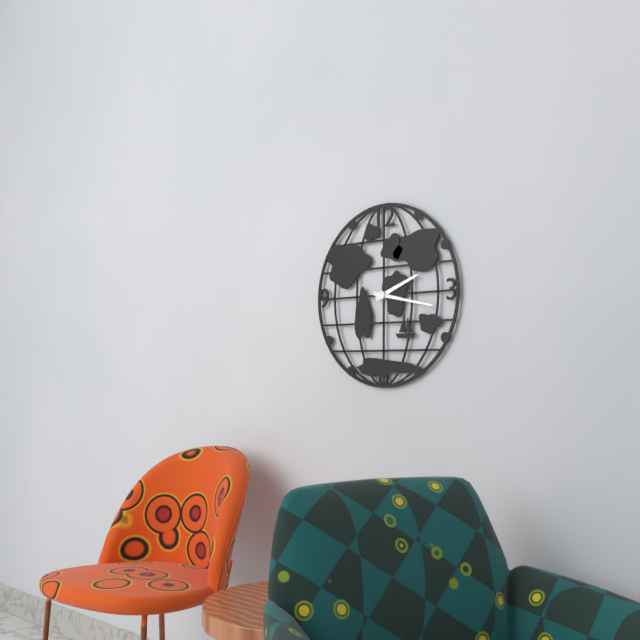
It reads 2h17
